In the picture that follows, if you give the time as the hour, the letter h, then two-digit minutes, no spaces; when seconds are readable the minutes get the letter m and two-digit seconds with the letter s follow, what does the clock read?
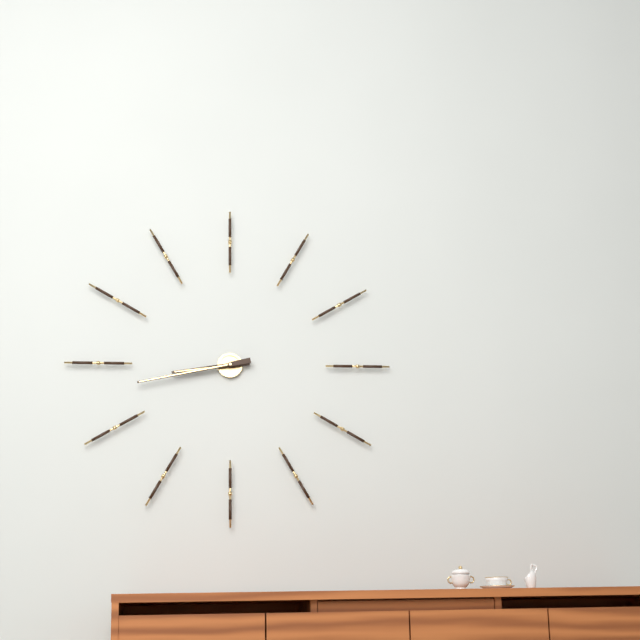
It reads 8h43
